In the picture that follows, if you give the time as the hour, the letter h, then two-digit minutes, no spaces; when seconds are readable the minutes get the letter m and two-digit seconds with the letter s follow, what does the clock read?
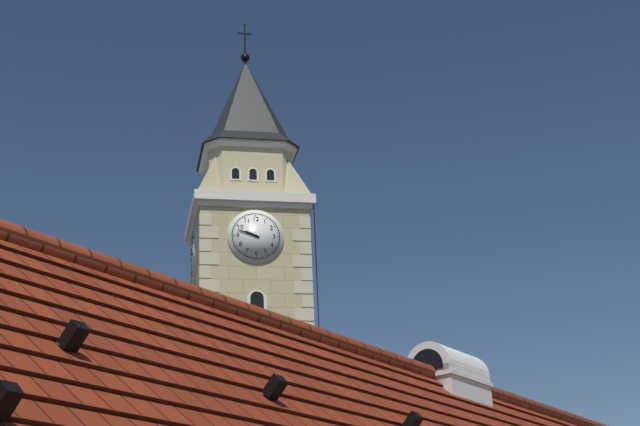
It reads 9h48
